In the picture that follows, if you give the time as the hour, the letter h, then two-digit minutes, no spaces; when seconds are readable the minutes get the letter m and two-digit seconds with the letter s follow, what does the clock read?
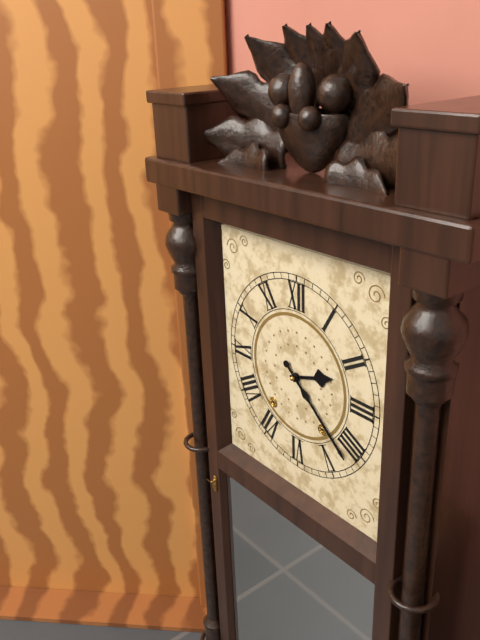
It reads 2h22
